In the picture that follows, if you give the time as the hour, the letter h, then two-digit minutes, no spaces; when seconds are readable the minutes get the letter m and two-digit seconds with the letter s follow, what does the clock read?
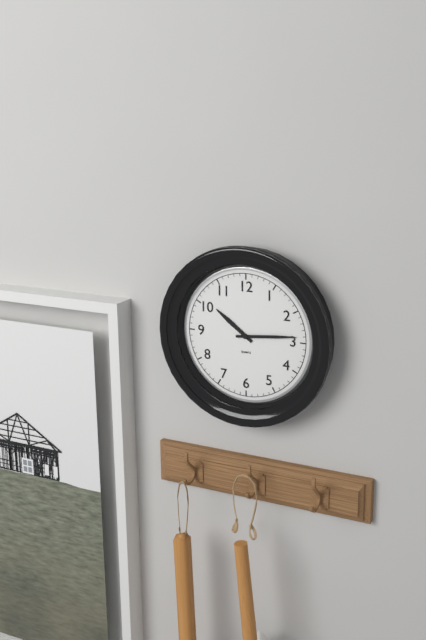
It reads 10h14
